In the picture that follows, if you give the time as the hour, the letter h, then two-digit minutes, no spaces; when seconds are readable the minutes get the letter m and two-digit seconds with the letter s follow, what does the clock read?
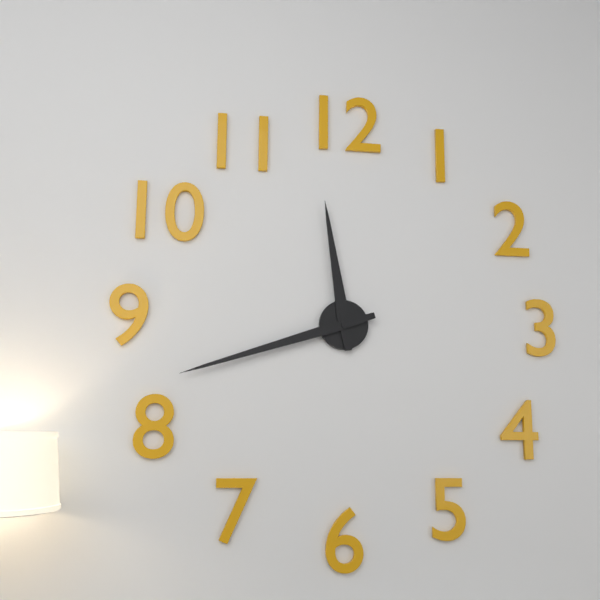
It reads 11h42
